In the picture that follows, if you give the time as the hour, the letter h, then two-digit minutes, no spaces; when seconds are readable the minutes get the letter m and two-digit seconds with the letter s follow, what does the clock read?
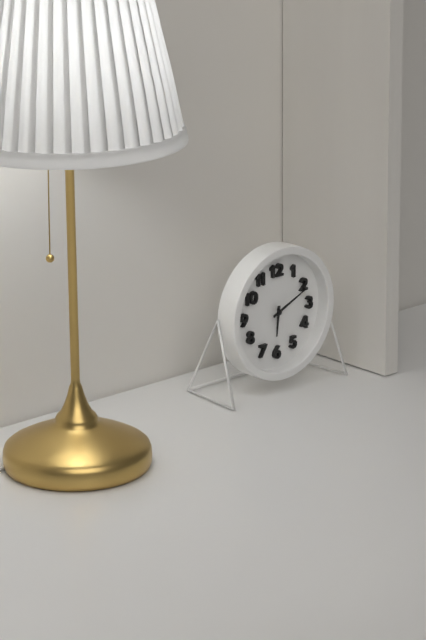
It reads 6h11
